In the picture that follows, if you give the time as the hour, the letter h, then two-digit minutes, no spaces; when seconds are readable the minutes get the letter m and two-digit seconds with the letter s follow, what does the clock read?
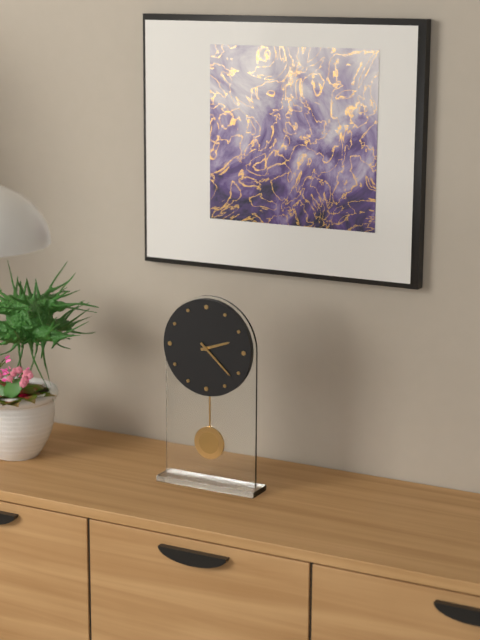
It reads 2h22
